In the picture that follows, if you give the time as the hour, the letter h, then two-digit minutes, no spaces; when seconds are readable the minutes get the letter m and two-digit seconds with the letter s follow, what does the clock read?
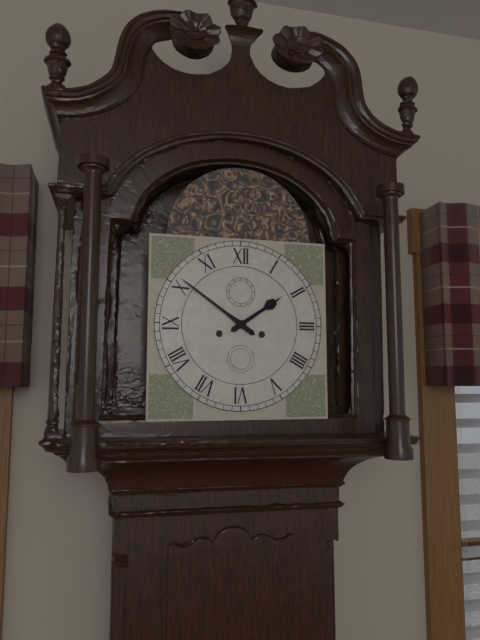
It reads 1h51
